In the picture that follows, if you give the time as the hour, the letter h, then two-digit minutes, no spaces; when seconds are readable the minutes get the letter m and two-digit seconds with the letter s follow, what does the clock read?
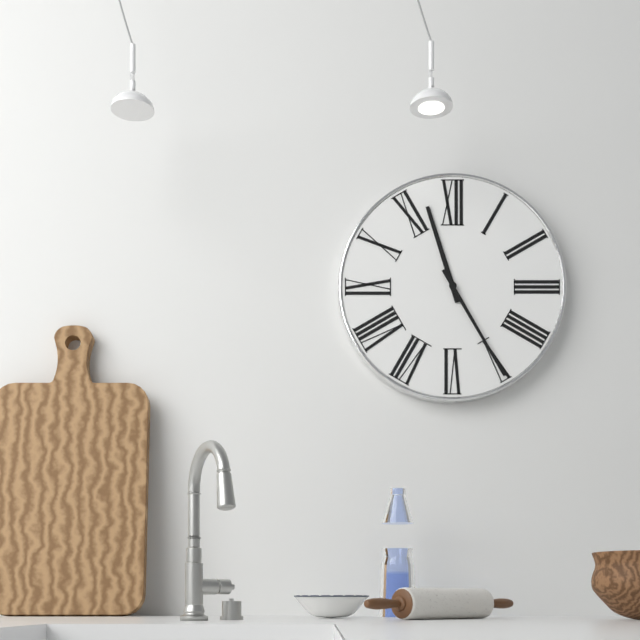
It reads 11h25
